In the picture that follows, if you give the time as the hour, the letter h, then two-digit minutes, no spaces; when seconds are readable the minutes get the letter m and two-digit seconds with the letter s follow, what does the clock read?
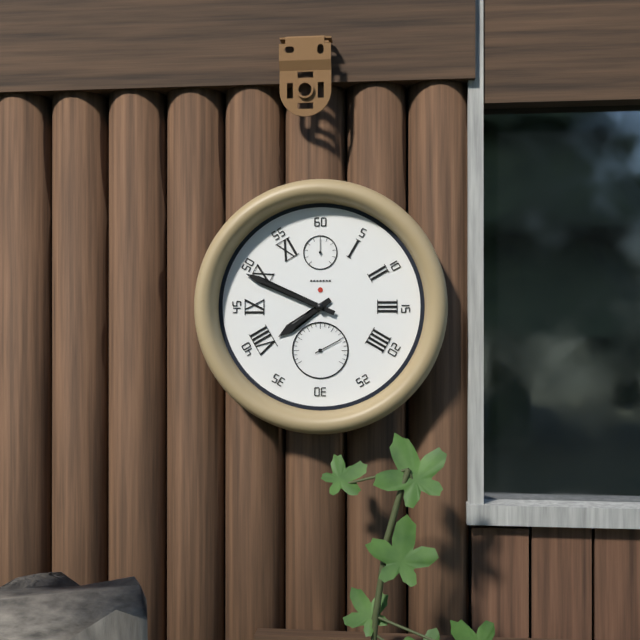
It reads 7h49
